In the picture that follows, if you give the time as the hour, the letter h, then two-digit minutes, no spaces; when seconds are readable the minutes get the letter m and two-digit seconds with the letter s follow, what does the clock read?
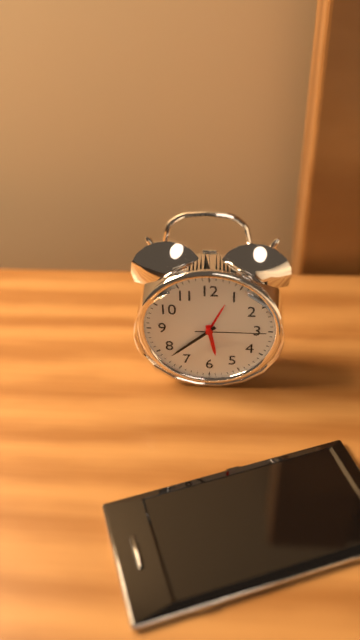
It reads 5h38m15s
